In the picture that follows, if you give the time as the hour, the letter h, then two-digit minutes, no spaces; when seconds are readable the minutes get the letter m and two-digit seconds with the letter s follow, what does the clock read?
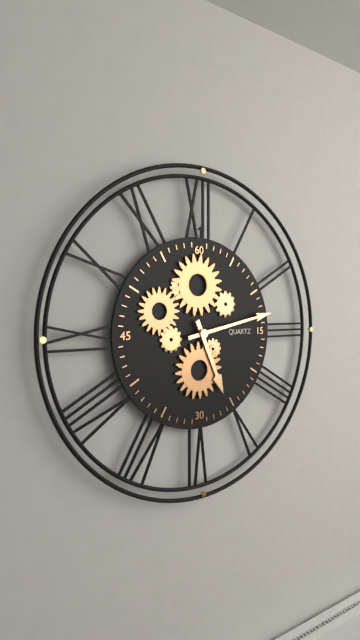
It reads 5h13
